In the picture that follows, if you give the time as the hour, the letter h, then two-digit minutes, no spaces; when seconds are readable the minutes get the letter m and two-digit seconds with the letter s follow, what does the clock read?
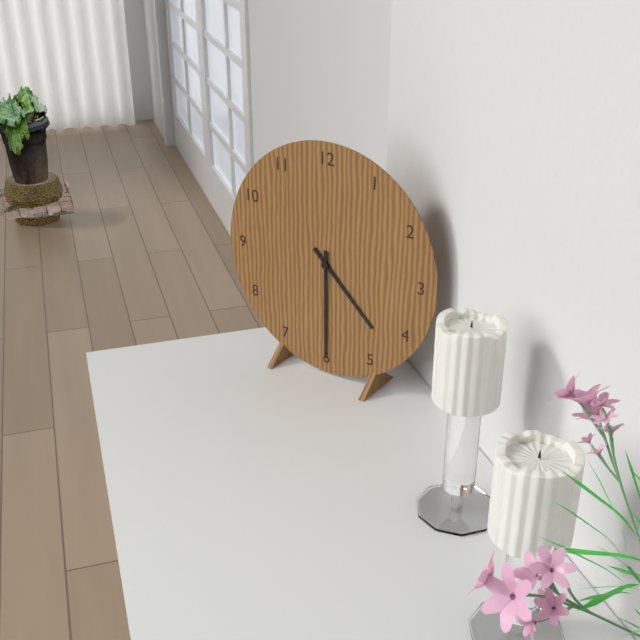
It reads 4h30
